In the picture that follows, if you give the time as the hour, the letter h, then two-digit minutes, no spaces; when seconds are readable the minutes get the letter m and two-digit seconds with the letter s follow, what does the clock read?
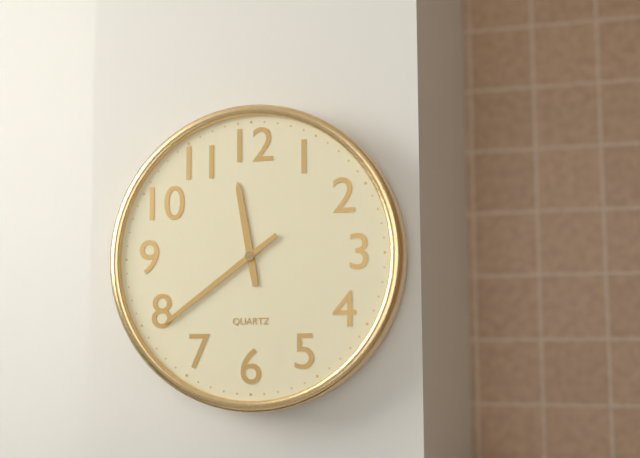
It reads 11h39
